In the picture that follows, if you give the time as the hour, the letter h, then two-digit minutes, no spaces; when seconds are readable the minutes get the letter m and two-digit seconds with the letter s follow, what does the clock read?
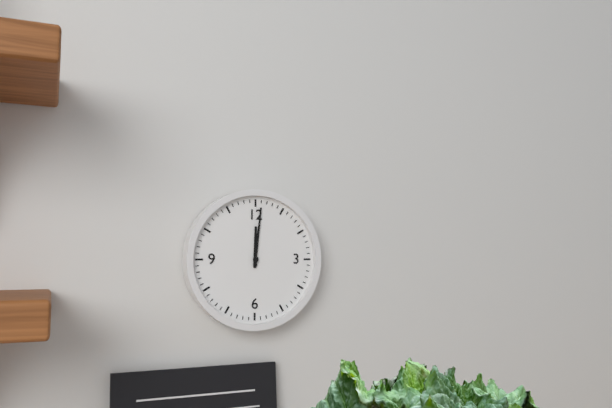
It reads 12h01
